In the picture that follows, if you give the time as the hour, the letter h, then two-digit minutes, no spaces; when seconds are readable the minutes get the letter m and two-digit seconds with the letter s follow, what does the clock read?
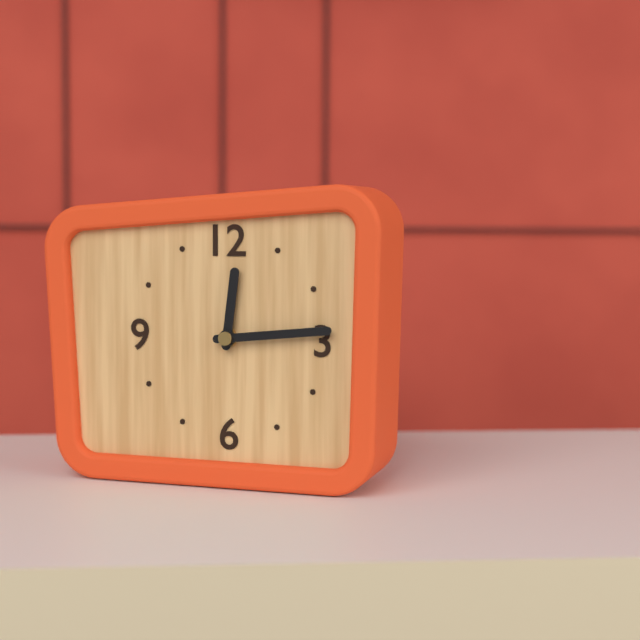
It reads 12h14
